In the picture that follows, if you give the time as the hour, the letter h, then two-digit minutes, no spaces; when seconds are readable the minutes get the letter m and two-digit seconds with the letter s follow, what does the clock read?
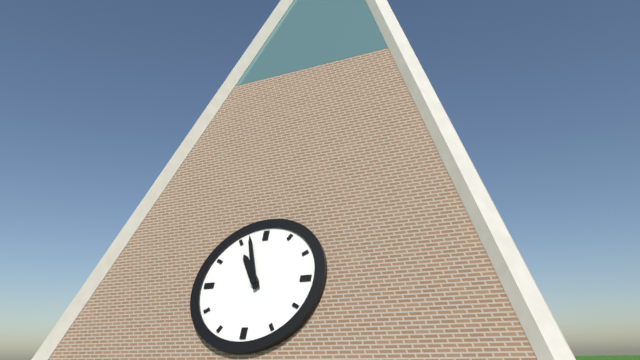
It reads 10h57
